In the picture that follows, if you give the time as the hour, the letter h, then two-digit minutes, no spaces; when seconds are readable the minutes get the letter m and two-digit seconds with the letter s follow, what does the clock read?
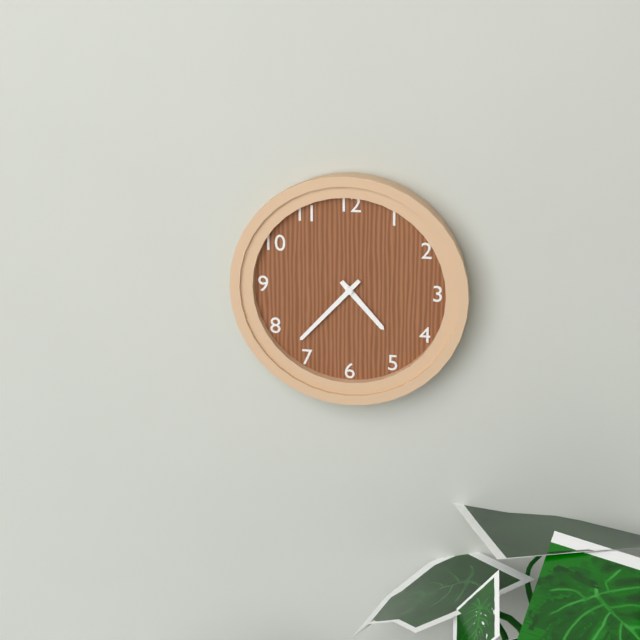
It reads 4h37
